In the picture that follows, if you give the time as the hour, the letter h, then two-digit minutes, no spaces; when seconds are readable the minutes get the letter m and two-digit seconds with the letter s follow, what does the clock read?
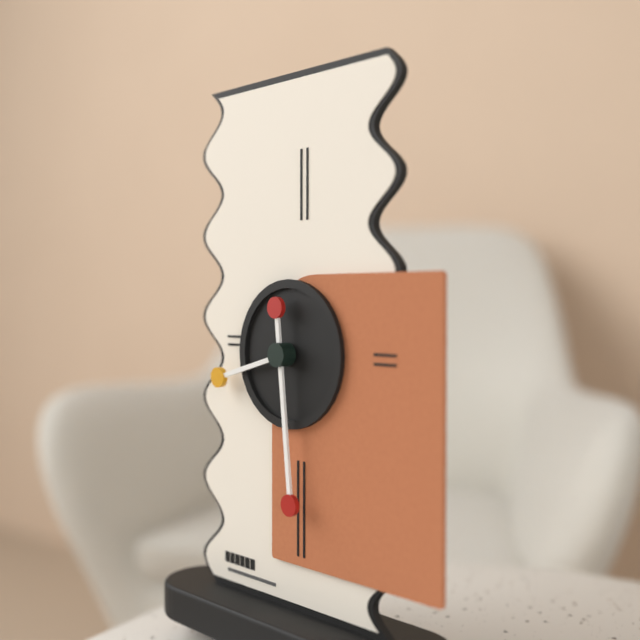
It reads 8h29
